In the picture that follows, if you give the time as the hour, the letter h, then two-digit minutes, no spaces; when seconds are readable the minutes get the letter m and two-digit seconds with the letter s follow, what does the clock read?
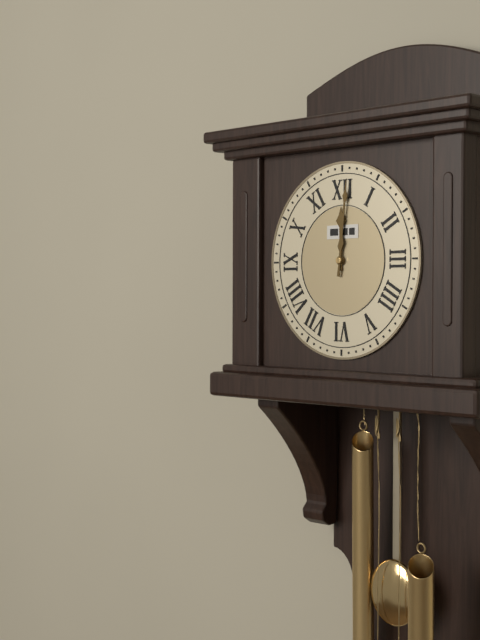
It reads 12h01
